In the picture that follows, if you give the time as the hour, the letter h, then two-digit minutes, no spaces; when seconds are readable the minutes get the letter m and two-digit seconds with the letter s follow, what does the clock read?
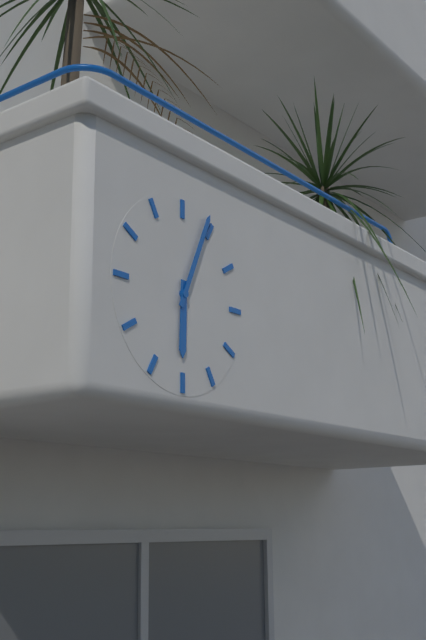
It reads 6h04
